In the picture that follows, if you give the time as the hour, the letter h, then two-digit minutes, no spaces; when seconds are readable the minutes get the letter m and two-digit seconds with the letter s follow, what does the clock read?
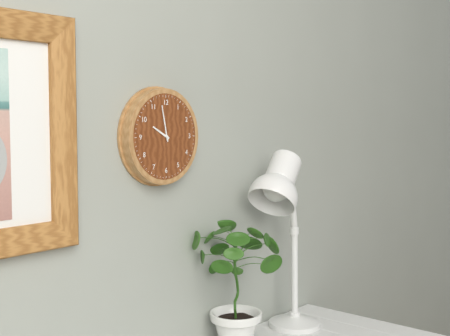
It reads 9h58
